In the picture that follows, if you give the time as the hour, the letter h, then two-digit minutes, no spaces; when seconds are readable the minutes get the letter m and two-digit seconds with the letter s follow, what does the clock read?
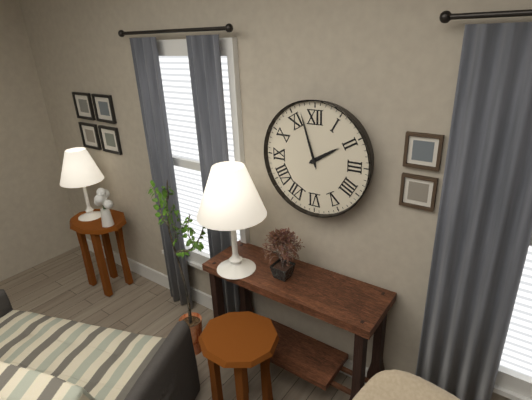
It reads 1h57
